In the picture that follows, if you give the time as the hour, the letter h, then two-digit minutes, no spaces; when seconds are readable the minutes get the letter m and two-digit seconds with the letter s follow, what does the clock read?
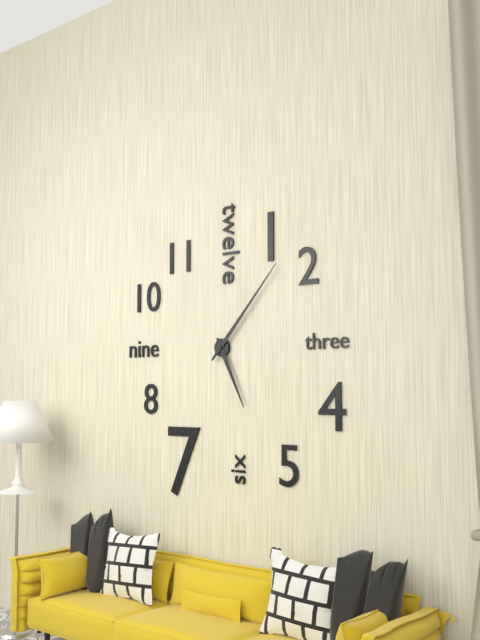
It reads 5h07
